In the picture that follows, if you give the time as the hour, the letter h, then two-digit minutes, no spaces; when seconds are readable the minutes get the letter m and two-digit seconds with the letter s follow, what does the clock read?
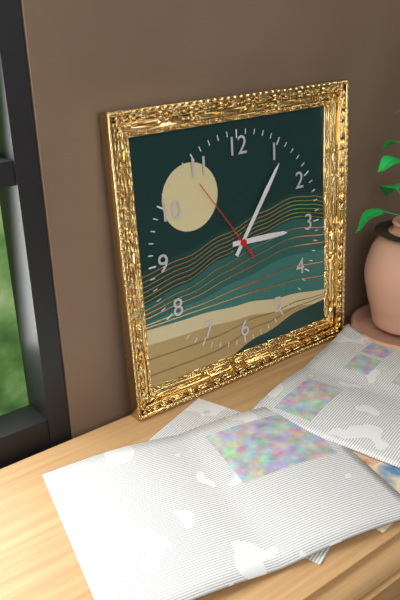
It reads 3h06m54s
